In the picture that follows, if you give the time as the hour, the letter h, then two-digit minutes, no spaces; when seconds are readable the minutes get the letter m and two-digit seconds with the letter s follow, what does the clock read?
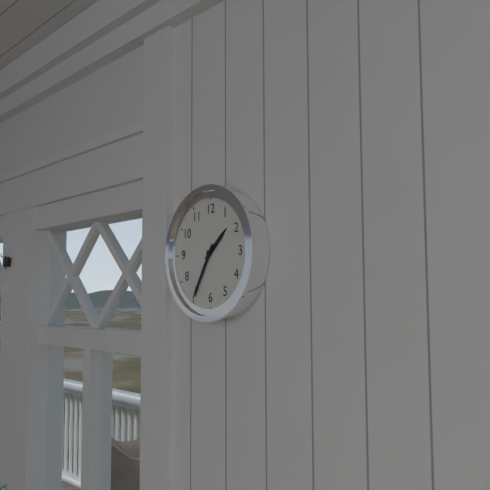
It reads 1h35
